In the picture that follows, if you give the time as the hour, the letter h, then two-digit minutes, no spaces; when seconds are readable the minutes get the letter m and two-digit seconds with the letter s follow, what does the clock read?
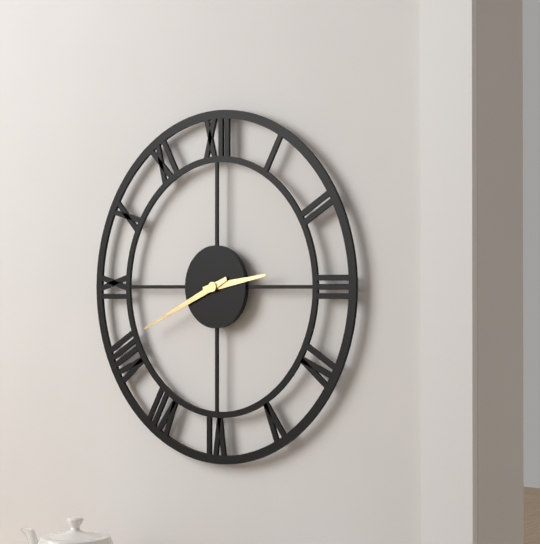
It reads 2h41
